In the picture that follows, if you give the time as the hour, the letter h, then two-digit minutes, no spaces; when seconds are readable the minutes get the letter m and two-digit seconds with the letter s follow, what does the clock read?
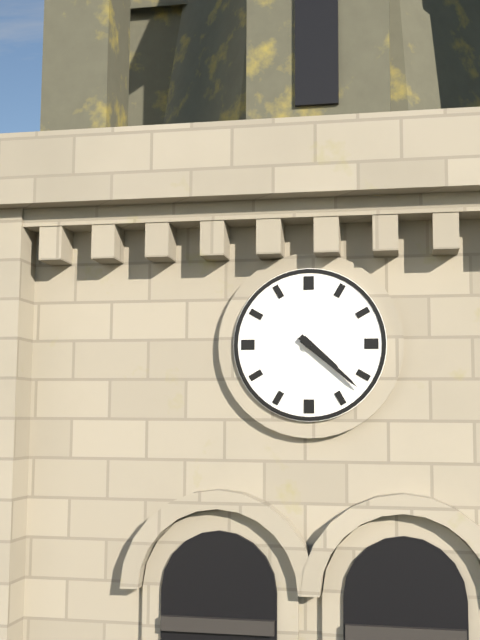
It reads 4h22
